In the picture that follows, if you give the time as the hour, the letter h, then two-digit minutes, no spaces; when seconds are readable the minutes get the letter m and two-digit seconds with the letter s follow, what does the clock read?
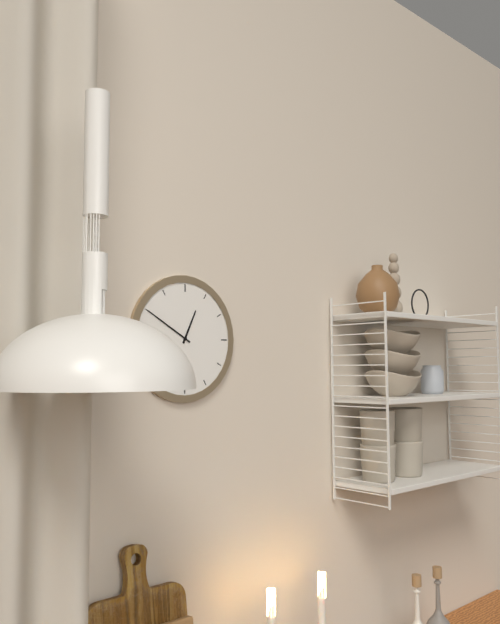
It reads 12h50
